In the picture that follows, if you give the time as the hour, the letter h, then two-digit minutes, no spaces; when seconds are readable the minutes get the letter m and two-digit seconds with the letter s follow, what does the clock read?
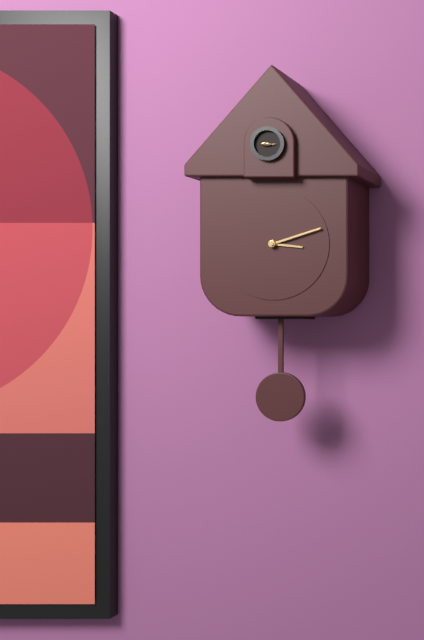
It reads 3h12
